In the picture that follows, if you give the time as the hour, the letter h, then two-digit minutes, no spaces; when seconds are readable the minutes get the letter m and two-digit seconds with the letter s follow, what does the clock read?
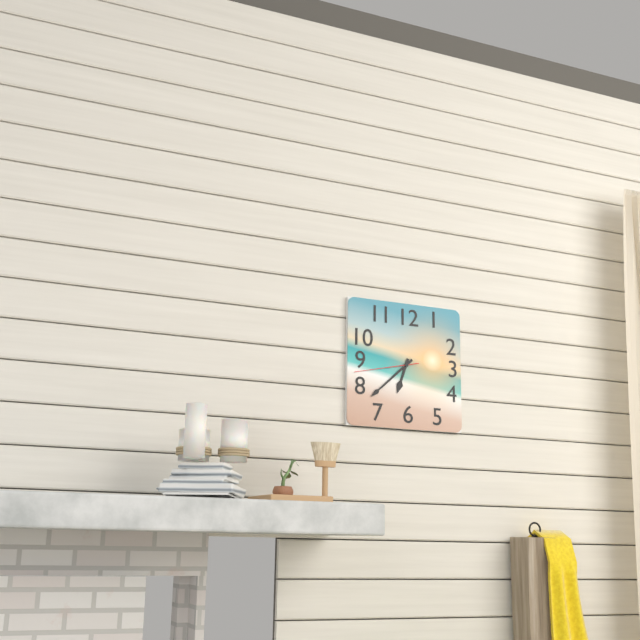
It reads 6h38m43s
